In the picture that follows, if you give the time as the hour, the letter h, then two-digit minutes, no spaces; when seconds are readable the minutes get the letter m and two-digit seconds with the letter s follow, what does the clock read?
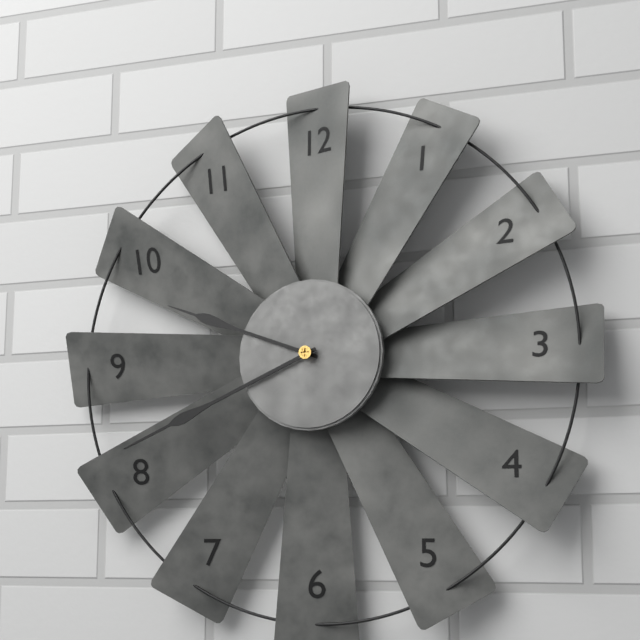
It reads 9h41
